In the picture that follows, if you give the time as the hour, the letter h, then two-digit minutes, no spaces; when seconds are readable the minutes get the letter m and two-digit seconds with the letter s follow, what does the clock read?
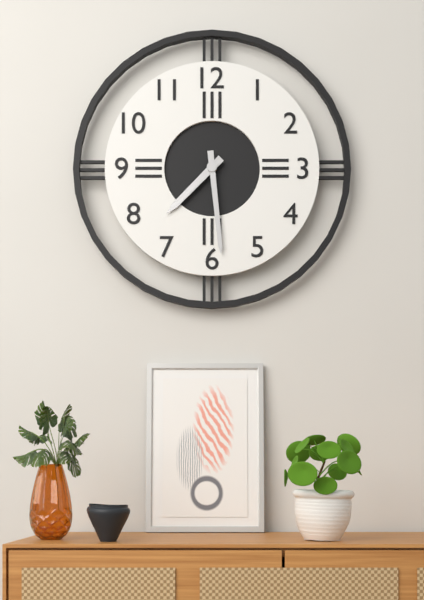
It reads 7h29
